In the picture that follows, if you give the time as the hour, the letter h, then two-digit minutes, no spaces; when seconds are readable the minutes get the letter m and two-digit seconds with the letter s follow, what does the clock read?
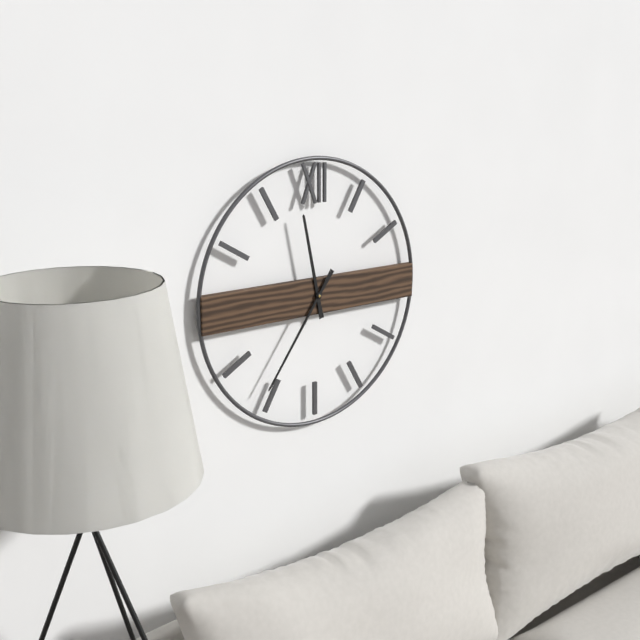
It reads 11h36
